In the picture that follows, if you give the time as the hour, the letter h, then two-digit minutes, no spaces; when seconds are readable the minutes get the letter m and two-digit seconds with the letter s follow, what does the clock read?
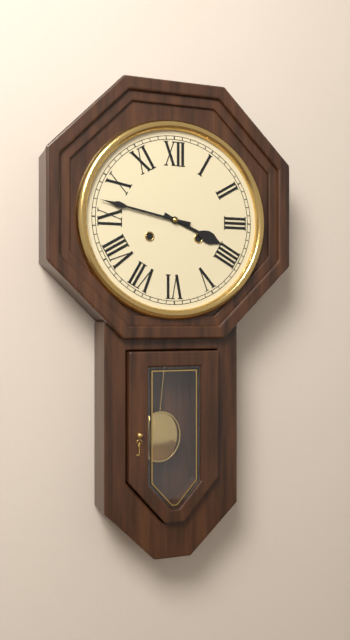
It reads 3h47
